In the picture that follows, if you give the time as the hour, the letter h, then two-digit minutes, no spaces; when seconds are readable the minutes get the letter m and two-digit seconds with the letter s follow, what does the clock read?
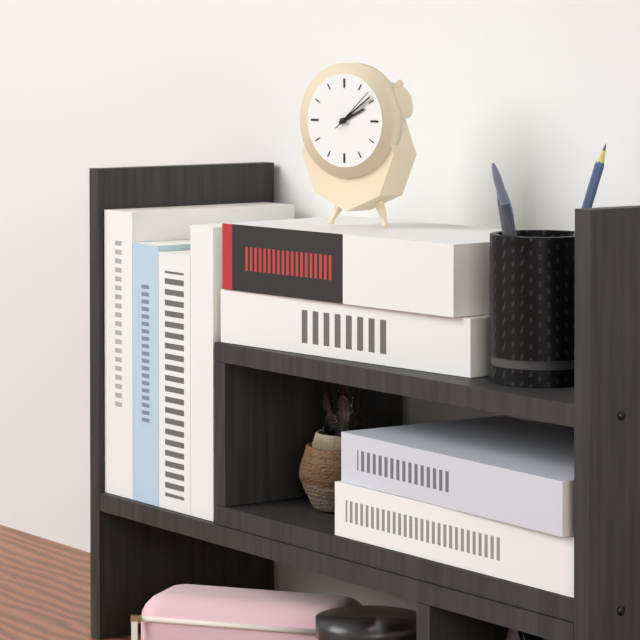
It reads 2h09
